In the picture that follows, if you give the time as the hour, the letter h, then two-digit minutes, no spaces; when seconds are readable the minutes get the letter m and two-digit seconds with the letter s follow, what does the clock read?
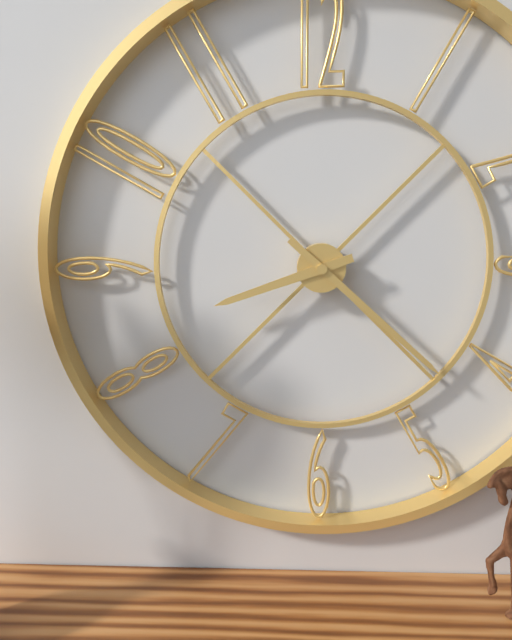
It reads 8h22
